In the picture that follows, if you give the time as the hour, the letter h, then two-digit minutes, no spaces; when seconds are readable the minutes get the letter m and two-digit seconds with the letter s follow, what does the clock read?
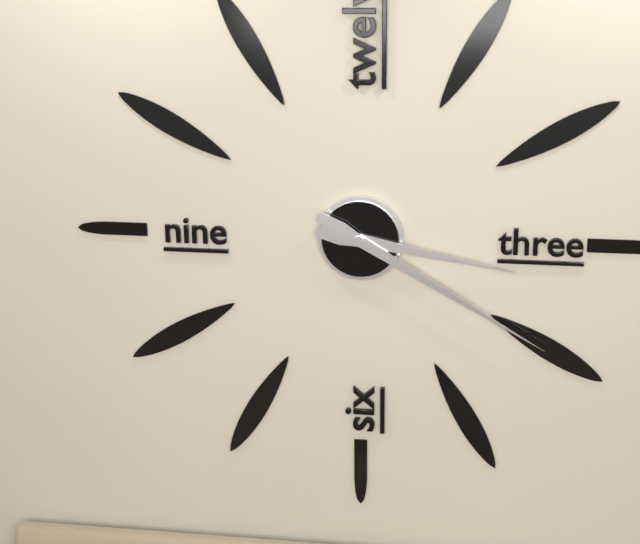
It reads 3h20
